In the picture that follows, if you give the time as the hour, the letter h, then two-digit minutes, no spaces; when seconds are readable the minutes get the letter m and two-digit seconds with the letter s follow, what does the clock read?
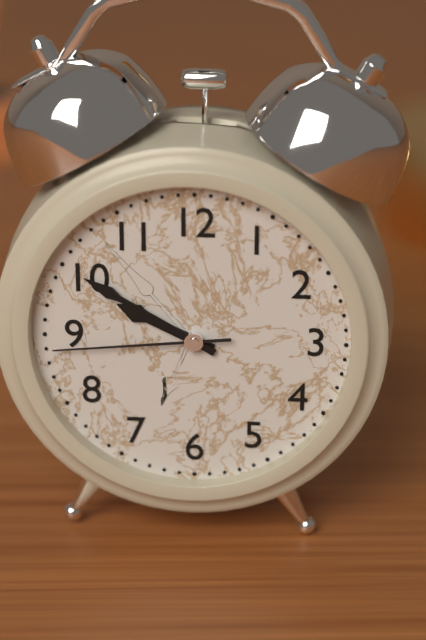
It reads 9h50m44s
